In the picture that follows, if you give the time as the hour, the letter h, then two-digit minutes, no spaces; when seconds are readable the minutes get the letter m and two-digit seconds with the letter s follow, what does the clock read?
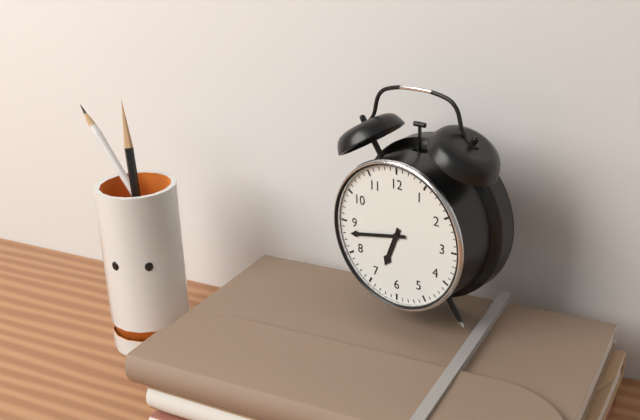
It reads 6h43
